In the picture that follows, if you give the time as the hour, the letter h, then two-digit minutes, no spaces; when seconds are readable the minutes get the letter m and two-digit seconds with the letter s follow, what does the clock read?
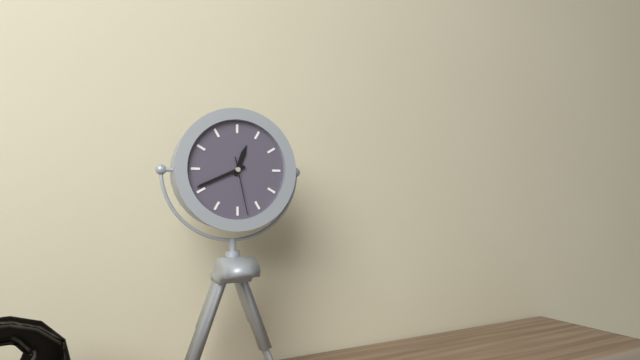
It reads 12h41m28s
